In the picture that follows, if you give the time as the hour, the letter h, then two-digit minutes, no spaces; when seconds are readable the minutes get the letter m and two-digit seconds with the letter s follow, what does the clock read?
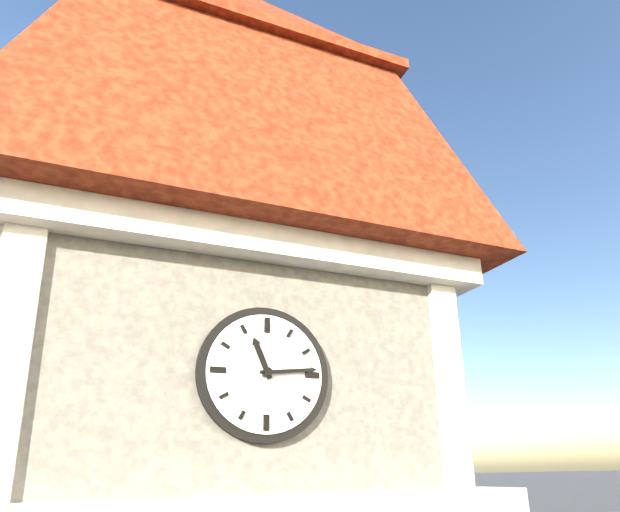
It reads 11h14
